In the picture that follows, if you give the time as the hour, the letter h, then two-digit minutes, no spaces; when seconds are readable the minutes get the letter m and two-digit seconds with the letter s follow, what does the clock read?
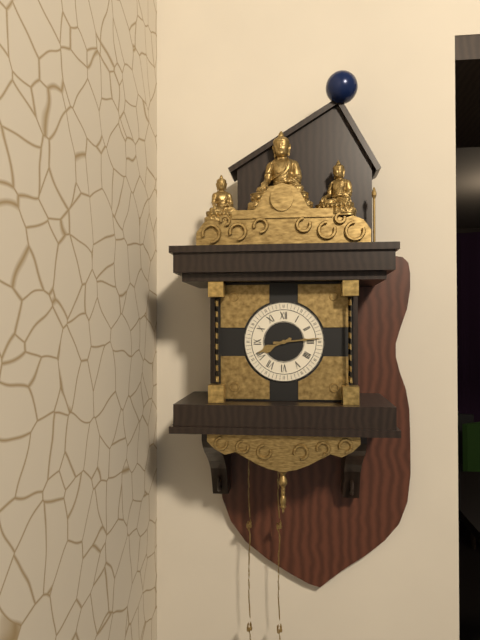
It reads 8h14
